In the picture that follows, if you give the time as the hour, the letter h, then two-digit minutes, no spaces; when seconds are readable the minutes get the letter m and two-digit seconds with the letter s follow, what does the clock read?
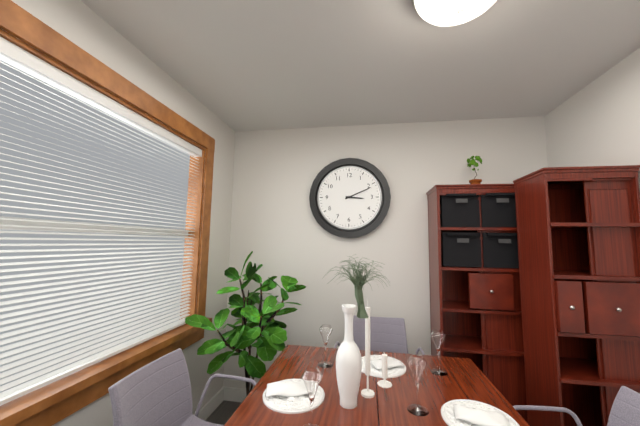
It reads 3h11
